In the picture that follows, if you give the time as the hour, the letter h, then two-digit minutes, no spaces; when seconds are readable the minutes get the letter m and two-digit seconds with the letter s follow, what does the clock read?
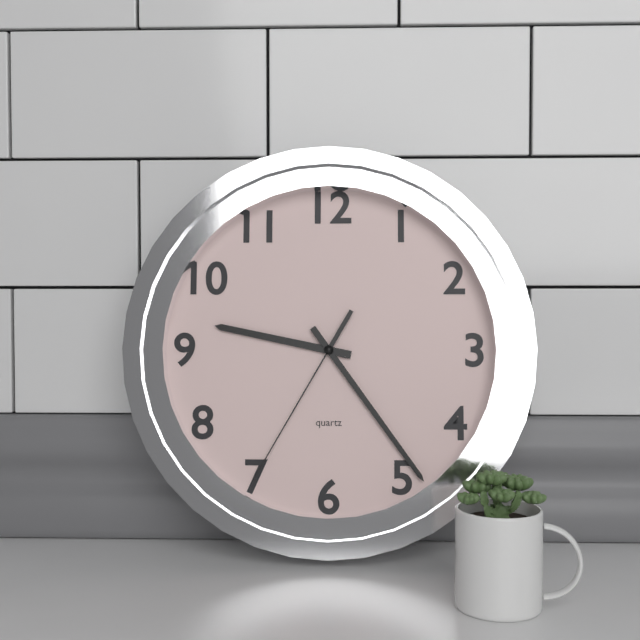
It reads 9h24m35s
